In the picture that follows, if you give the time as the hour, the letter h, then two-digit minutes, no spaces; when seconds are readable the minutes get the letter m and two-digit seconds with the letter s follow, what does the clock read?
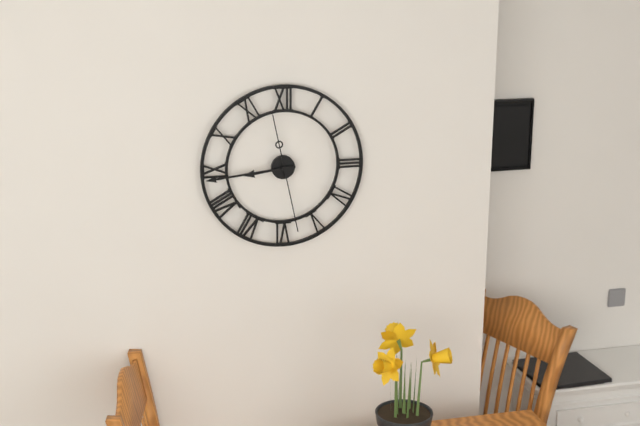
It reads 8h44m28s
